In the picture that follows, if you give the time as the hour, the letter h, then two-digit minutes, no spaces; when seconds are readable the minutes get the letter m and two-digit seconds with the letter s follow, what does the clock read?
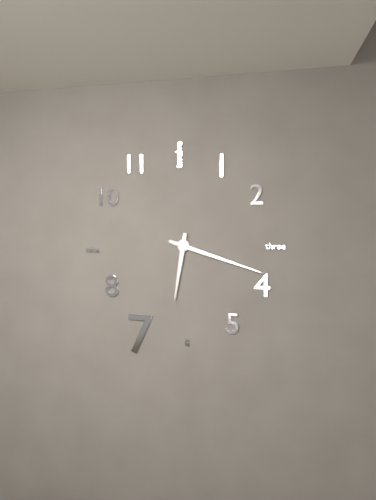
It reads 6h18
